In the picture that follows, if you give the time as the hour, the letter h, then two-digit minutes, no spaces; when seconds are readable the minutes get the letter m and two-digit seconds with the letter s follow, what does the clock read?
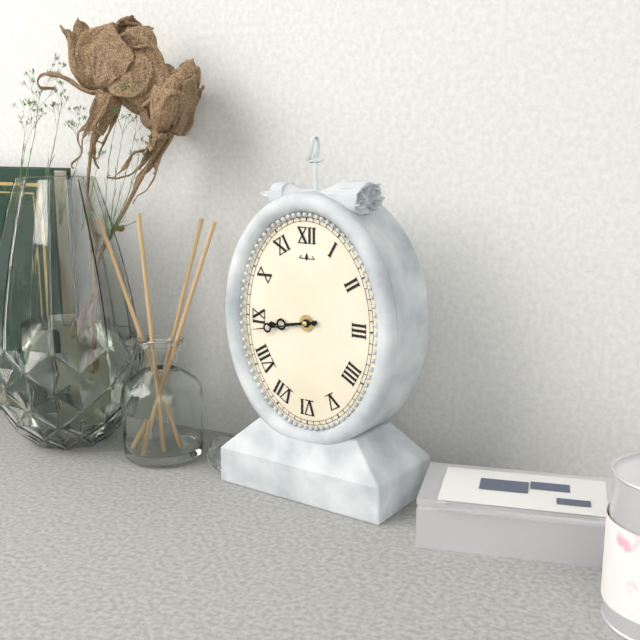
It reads 8h43
